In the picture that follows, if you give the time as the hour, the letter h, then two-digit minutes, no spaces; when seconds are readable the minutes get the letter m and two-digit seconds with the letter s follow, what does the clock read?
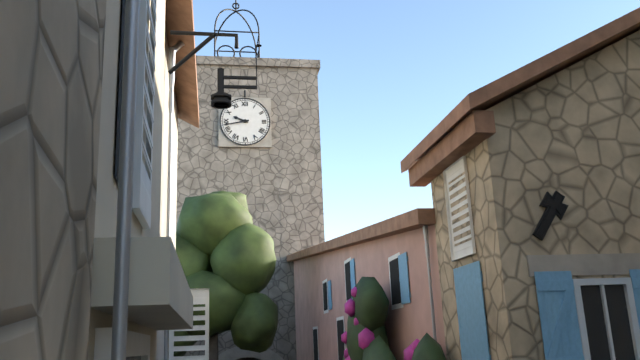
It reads 9h43
